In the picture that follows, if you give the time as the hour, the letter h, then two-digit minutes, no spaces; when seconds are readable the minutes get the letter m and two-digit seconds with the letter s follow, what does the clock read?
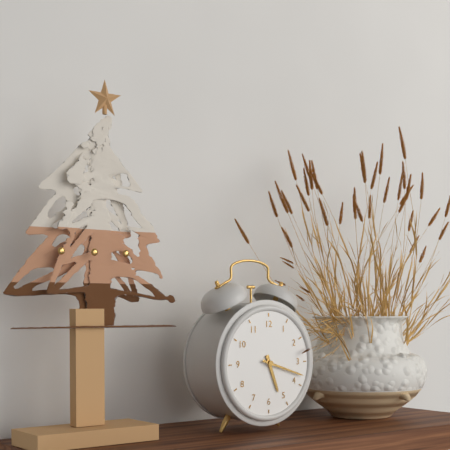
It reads 5h18
